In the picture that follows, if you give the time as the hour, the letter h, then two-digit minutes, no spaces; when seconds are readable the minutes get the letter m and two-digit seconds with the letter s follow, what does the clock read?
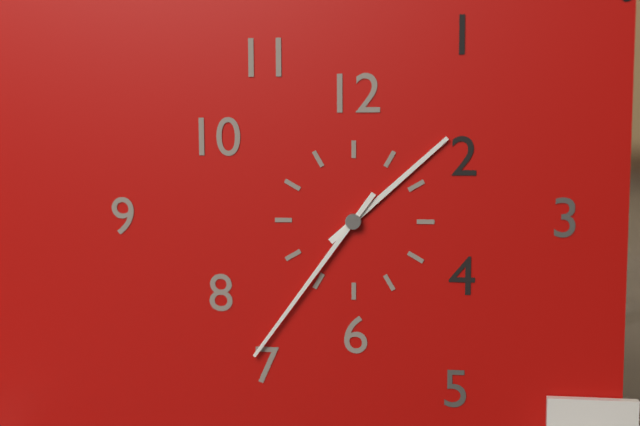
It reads 1h36
